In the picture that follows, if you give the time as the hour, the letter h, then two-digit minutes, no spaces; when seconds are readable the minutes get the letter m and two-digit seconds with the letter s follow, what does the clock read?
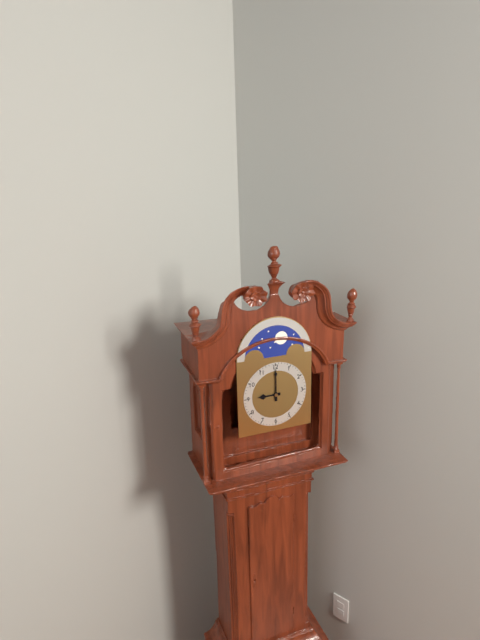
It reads 9h00
